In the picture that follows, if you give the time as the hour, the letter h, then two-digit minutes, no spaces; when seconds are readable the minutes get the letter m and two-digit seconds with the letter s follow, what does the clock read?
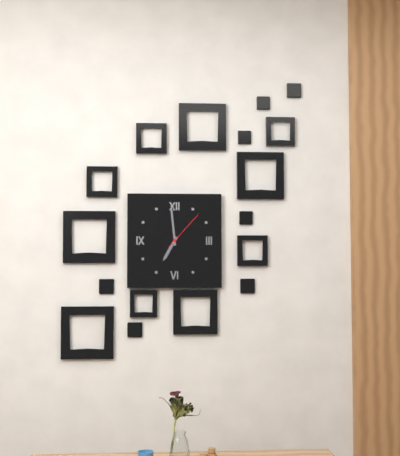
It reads 6h59
